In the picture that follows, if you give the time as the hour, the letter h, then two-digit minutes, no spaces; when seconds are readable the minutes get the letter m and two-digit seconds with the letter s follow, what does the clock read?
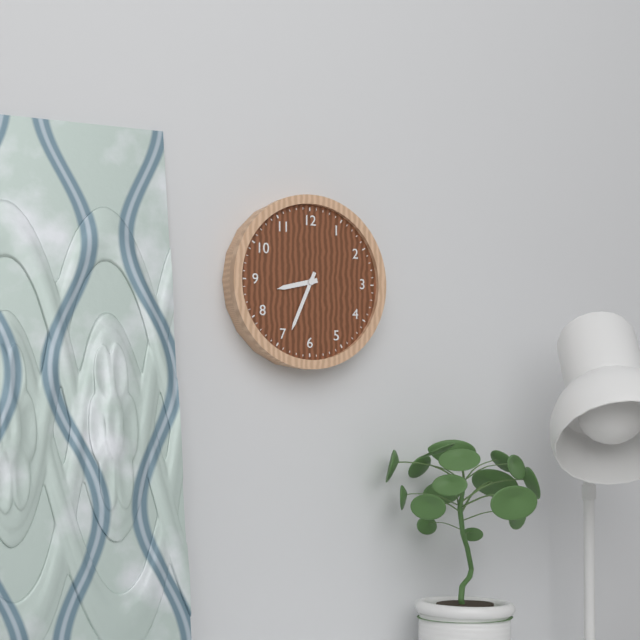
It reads 8h34
